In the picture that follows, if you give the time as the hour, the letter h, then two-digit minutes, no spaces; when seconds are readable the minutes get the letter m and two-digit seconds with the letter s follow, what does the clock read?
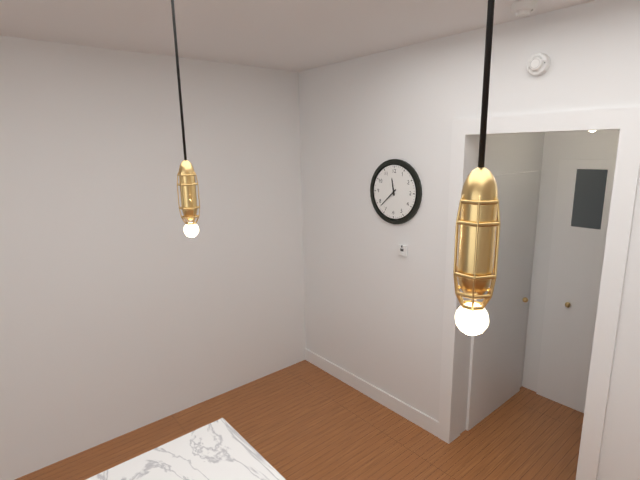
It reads 11h38
